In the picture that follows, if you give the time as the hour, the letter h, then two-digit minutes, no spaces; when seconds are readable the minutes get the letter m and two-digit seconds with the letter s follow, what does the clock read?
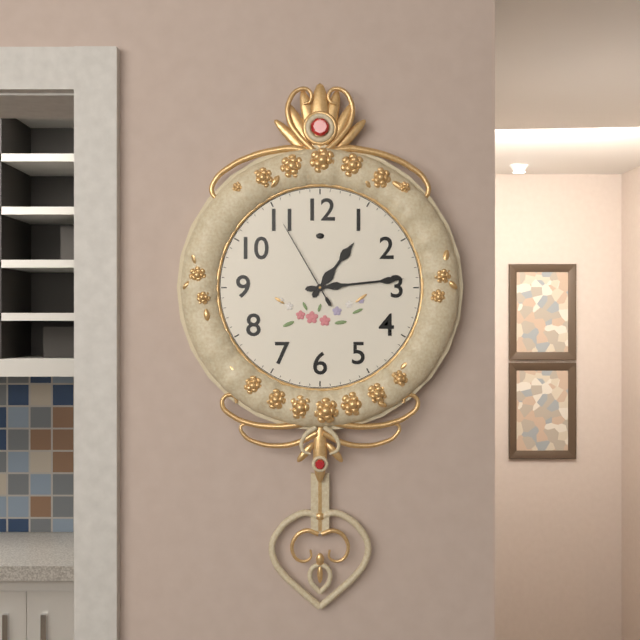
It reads 1h14m55s
